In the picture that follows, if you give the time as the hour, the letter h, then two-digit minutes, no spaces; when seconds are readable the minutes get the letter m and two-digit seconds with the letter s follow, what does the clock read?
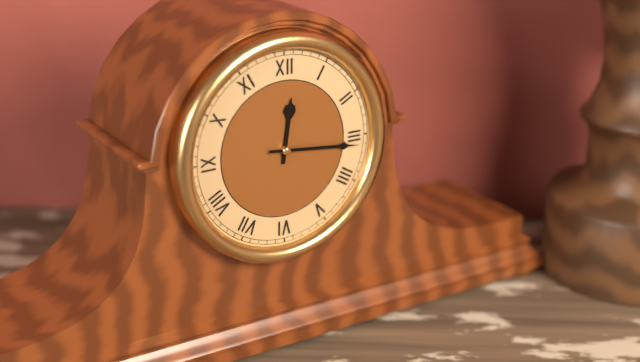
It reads 12h16
